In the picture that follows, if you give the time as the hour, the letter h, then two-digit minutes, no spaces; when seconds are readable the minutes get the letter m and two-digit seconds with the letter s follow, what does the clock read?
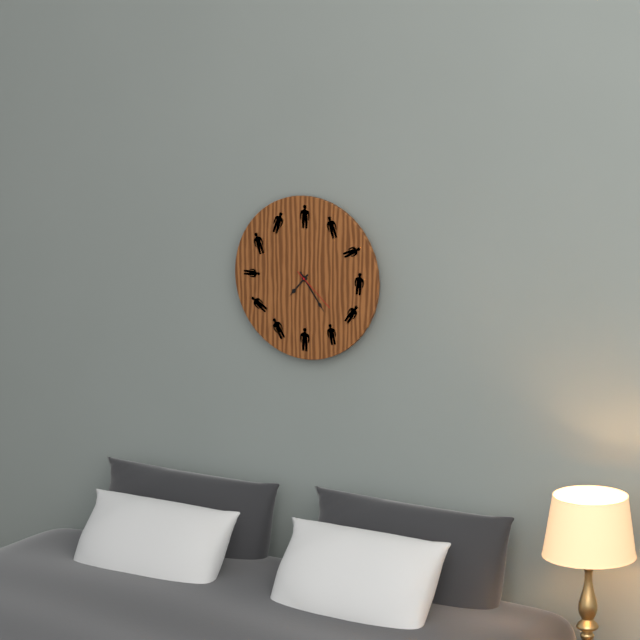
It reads 7h24
